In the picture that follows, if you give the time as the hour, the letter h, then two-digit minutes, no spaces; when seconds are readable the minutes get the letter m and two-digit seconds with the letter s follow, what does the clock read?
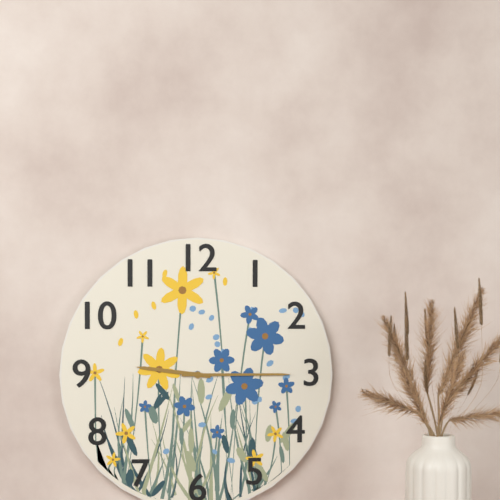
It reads 9h15
